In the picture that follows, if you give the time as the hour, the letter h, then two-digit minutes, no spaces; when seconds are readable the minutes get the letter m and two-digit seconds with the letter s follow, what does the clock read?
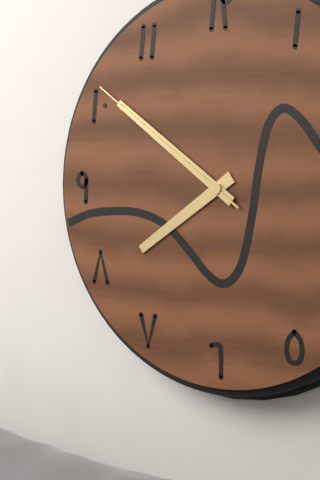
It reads 7h51m51s
